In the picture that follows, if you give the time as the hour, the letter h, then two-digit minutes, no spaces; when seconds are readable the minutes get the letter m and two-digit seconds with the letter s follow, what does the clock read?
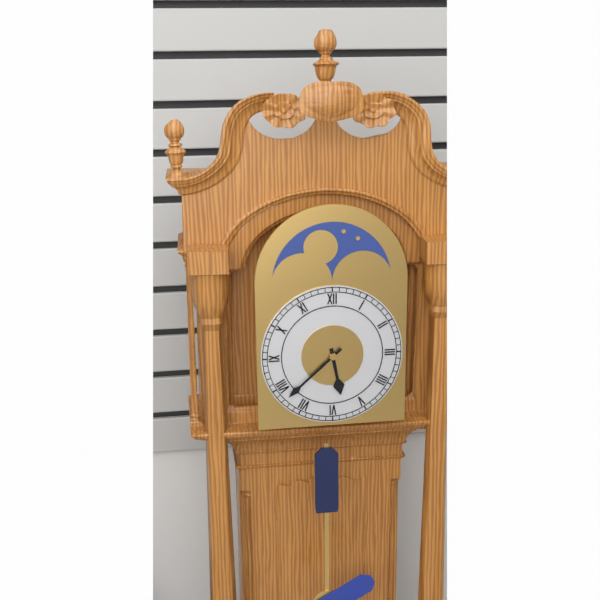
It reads 5h38
